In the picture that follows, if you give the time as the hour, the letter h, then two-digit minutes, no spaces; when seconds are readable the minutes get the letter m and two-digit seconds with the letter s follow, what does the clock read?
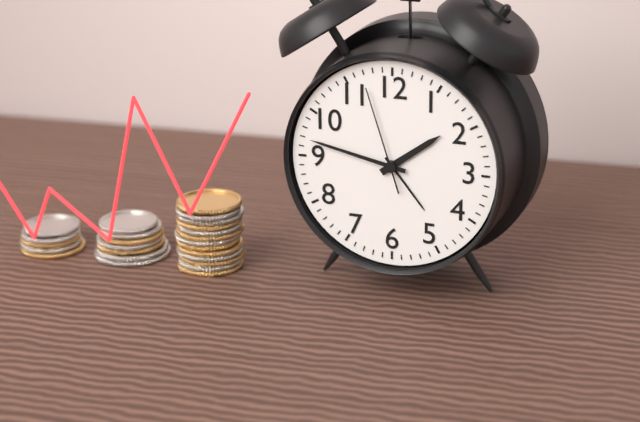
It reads 1h47m57s
